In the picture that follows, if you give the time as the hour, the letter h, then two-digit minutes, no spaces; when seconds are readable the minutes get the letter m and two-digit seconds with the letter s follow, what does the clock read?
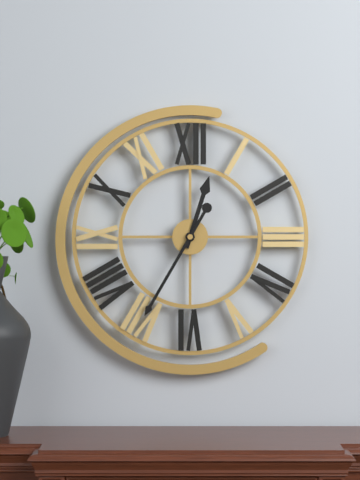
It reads 12h35
